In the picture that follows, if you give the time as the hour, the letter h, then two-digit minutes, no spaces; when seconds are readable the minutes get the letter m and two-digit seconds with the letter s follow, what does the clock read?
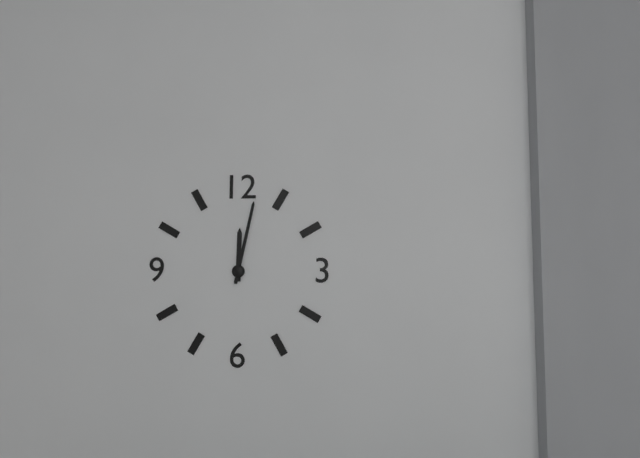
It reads 12h02
